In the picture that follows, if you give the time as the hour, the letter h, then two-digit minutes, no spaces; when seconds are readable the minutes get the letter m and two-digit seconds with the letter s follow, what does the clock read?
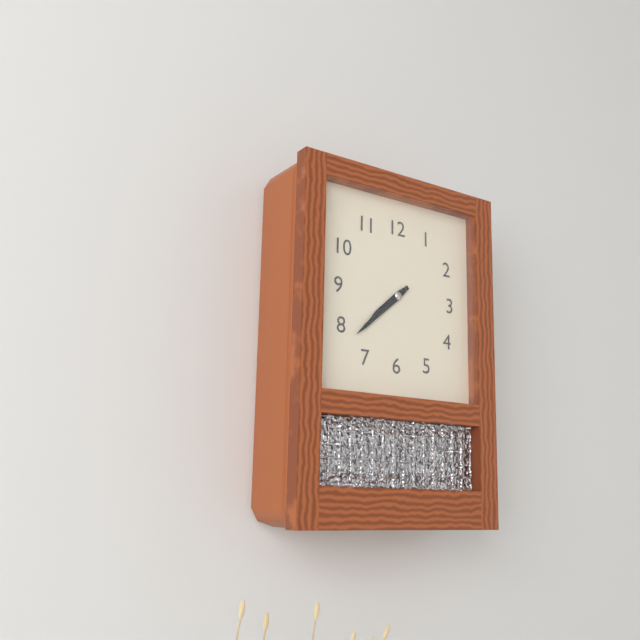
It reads 7h38
